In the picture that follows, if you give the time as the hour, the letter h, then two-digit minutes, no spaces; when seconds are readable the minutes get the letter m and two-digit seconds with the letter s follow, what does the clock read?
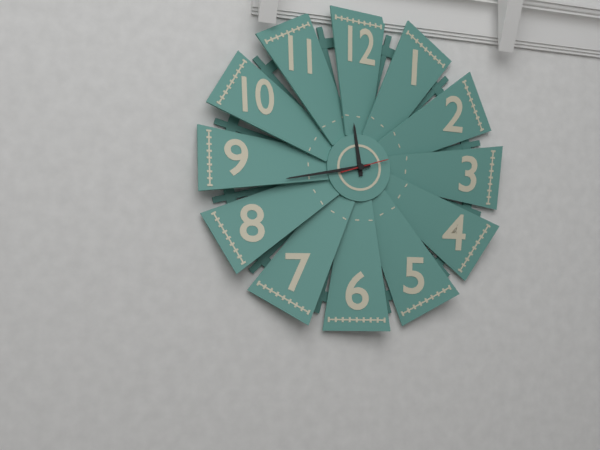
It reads 11h43
